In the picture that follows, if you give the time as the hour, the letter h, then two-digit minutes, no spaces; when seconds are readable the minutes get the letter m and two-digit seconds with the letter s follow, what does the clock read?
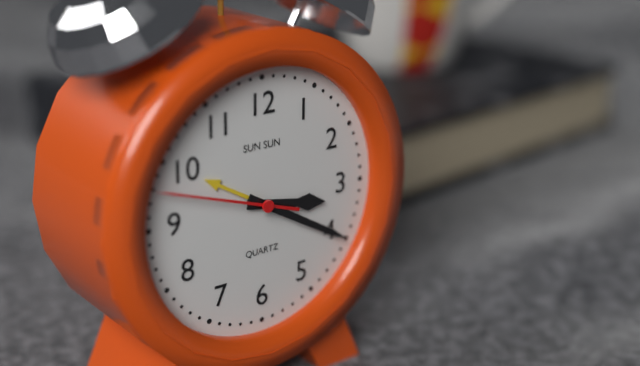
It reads 3h20m48s
